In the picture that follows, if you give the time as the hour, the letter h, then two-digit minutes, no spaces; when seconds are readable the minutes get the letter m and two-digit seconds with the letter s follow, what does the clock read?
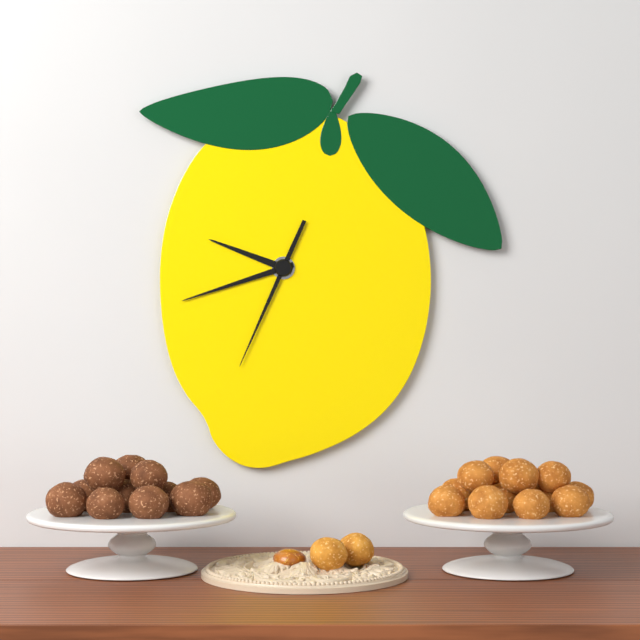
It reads 9h42m34s
